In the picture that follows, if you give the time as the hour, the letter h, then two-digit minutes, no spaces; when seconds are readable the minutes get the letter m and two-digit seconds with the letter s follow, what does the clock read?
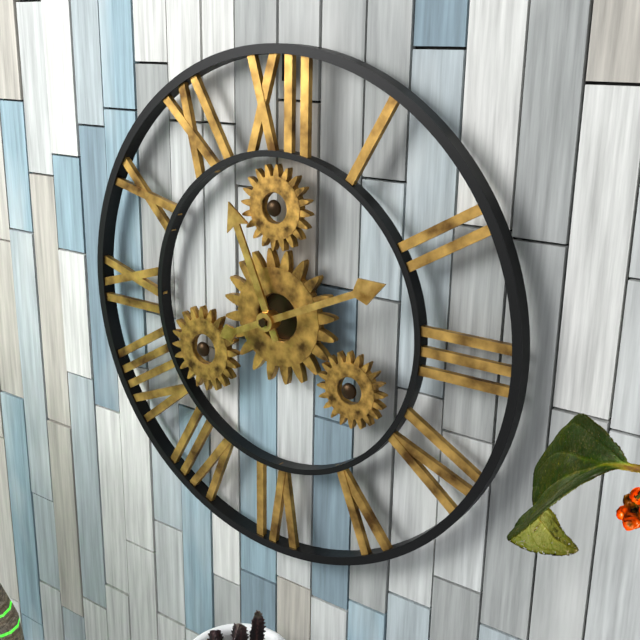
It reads 11h11
